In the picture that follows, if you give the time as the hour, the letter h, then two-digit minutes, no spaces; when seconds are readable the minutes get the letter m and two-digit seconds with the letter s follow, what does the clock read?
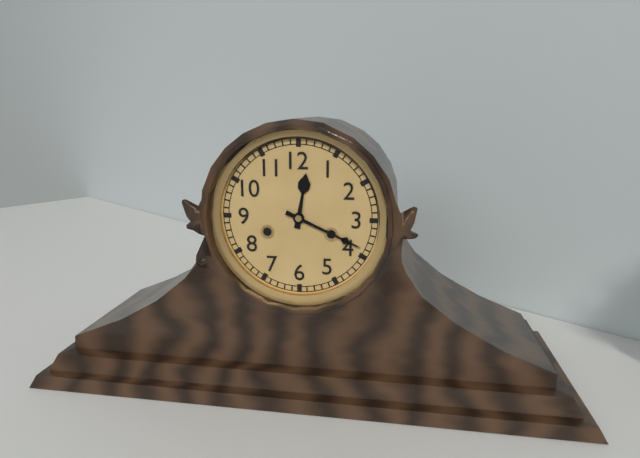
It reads 12h19
